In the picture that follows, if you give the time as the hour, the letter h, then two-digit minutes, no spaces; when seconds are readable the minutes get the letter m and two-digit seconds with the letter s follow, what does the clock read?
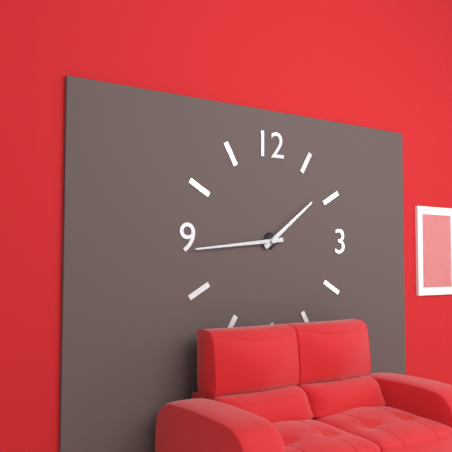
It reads 1h44
